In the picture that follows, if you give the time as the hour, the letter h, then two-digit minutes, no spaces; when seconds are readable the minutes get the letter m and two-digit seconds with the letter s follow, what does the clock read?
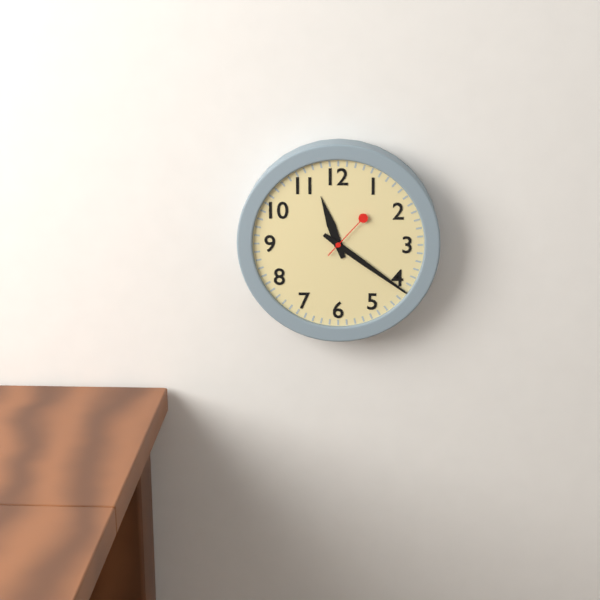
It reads 11h21m07s
